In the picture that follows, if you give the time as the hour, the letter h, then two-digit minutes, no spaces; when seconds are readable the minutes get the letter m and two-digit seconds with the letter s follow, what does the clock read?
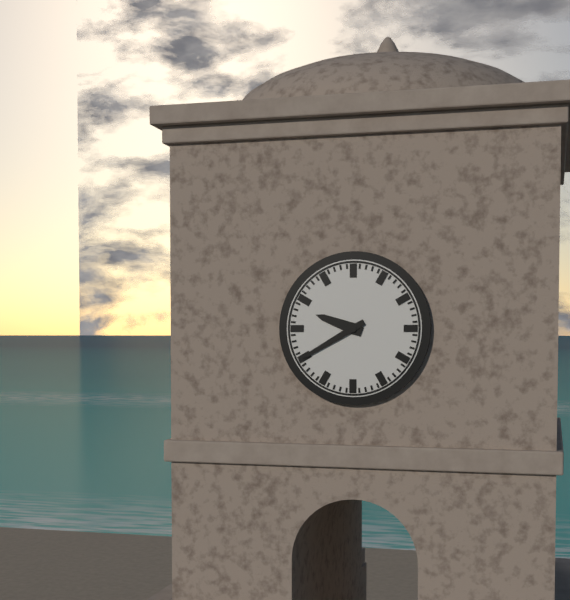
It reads 9h40
